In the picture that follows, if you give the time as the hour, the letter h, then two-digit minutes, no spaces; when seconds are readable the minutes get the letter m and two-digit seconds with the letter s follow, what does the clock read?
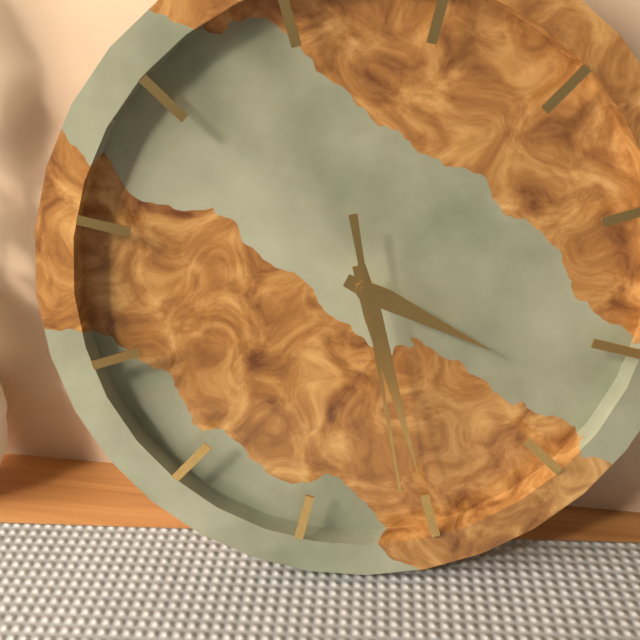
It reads 3h25m26s
